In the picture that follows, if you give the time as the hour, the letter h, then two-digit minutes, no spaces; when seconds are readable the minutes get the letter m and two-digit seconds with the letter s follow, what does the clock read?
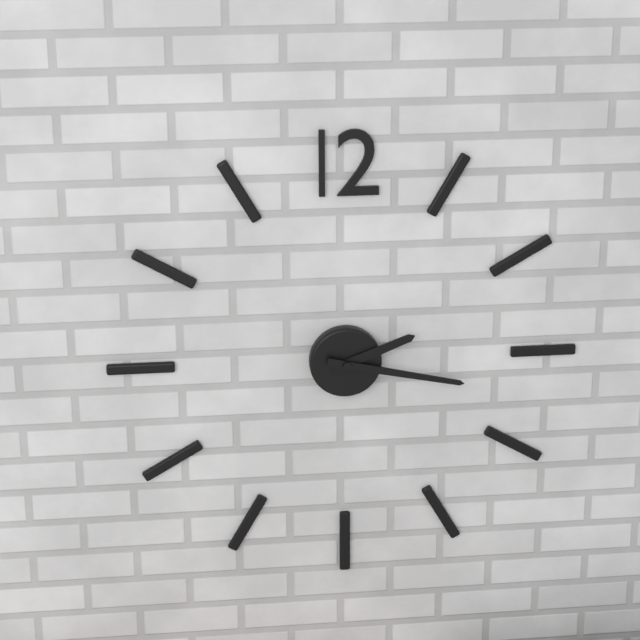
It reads 2h17
